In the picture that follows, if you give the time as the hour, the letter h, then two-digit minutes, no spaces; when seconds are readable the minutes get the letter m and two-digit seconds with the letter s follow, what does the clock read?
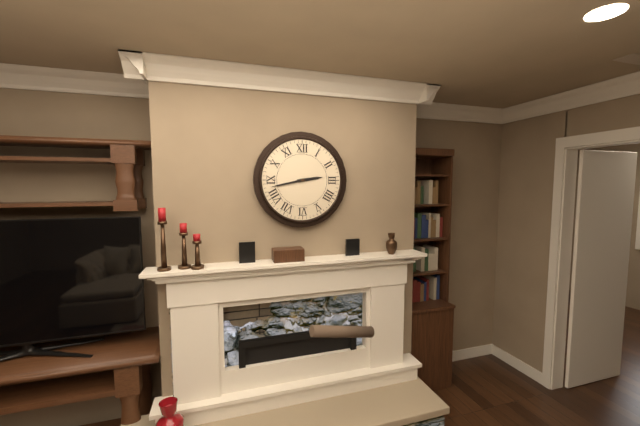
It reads 2h43
